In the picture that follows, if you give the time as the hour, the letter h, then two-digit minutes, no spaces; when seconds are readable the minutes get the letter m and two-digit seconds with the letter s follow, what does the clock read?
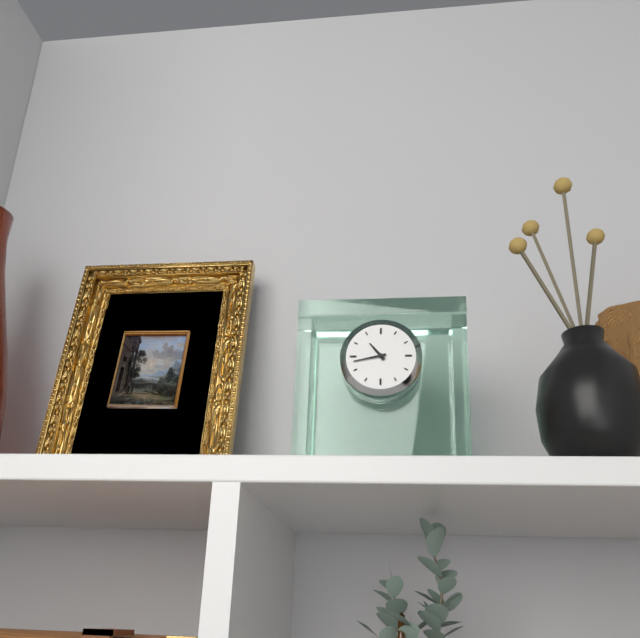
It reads 10h43
